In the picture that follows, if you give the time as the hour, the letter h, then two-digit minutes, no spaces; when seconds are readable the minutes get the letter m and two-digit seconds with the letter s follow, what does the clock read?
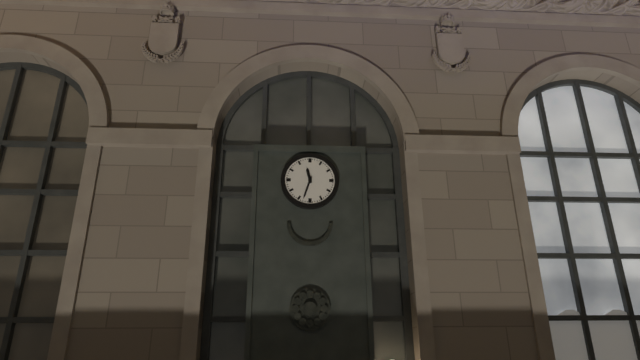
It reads 11h33
